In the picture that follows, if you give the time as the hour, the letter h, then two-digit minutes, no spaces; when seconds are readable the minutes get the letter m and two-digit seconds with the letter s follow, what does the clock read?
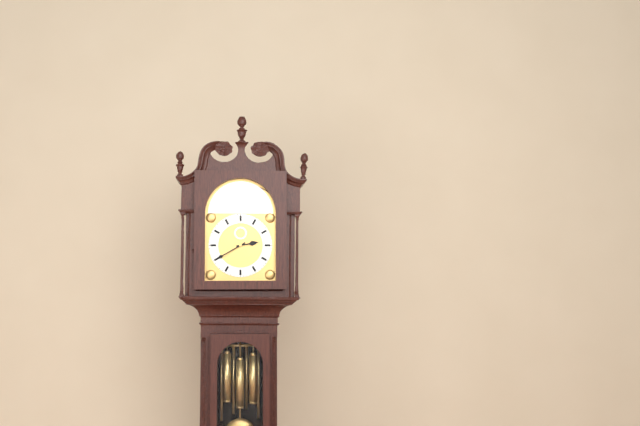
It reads 2h40
